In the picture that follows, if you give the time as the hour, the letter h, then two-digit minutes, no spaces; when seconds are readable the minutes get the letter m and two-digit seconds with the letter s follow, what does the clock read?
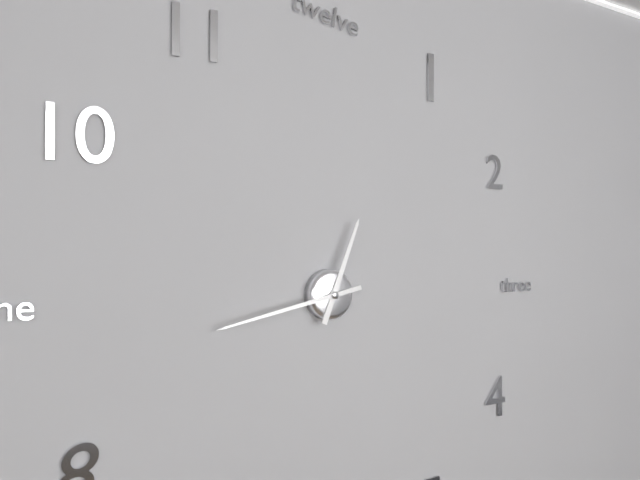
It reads 12h43
